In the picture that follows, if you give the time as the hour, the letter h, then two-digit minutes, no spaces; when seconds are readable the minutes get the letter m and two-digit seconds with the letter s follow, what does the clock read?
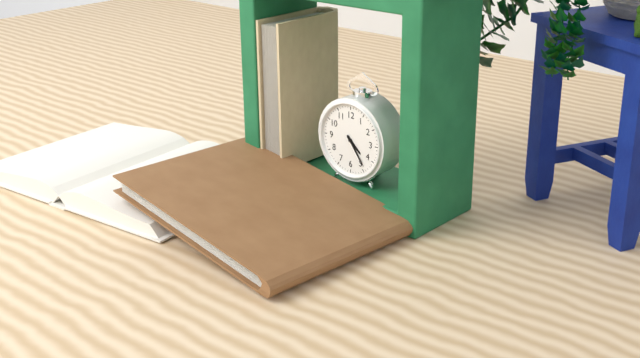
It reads 4h24
